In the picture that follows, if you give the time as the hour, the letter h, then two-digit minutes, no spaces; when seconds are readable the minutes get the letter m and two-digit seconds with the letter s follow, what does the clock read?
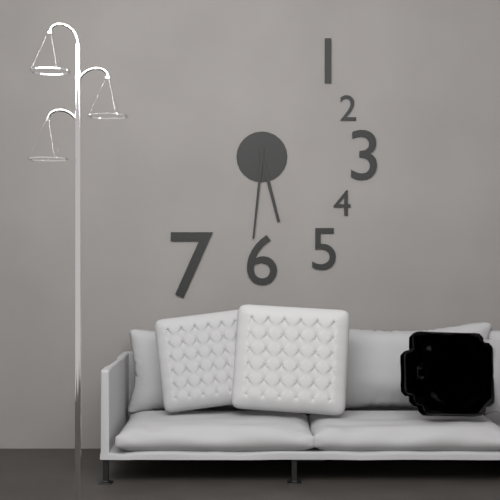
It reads 5h31
